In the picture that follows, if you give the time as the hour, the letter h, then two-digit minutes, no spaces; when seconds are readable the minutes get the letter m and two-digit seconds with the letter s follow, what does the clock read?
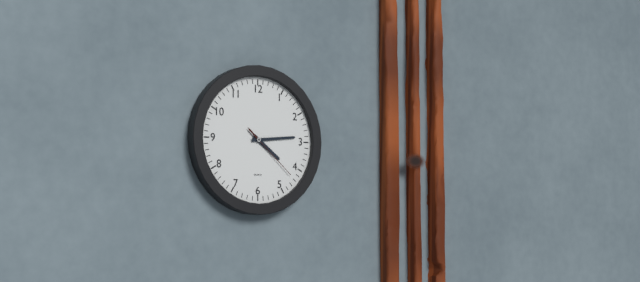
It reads 4h14m22s
